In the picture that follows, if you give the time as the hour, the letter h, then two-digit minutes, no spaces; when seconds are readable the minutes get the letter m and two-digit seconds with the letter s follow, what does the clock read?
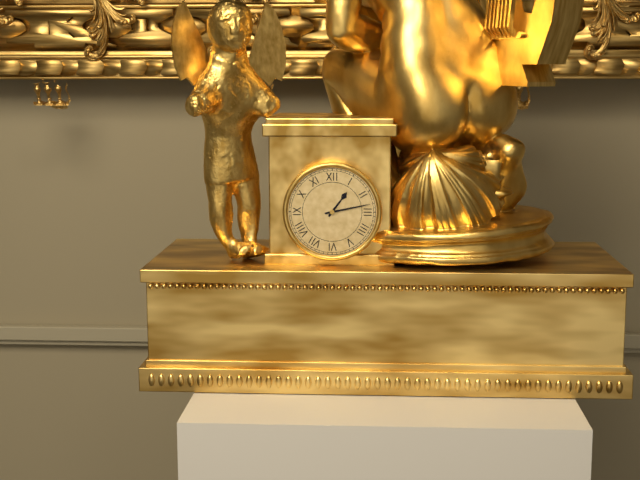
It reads 1h13
